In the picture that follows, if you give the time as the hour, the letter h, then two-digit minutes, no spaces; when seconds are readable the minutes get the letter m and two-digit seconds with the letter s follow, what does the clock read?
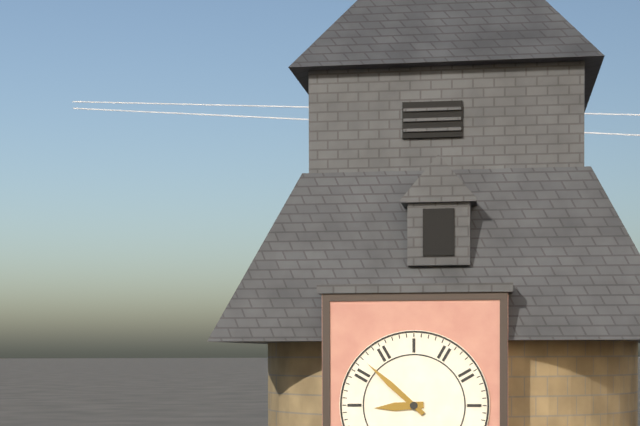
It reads 8h52
